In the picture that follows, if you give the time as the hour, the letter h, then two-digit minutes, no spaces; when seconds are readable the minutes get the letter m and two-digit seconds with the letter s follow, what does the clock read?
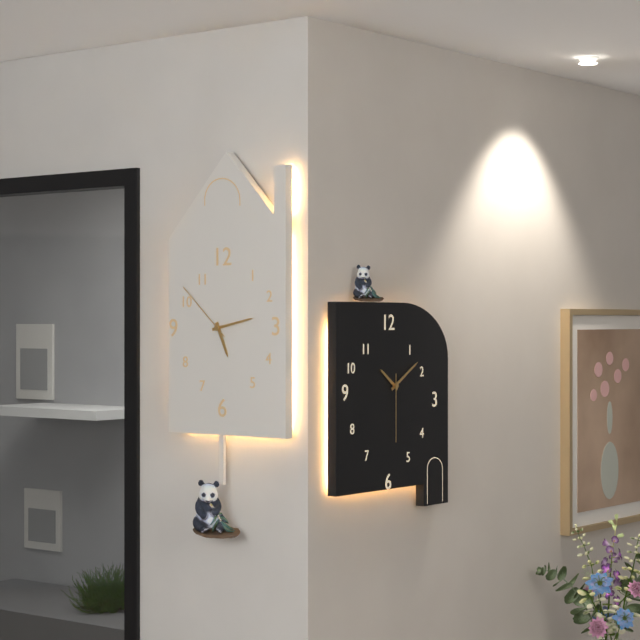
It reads 5h13m52s
